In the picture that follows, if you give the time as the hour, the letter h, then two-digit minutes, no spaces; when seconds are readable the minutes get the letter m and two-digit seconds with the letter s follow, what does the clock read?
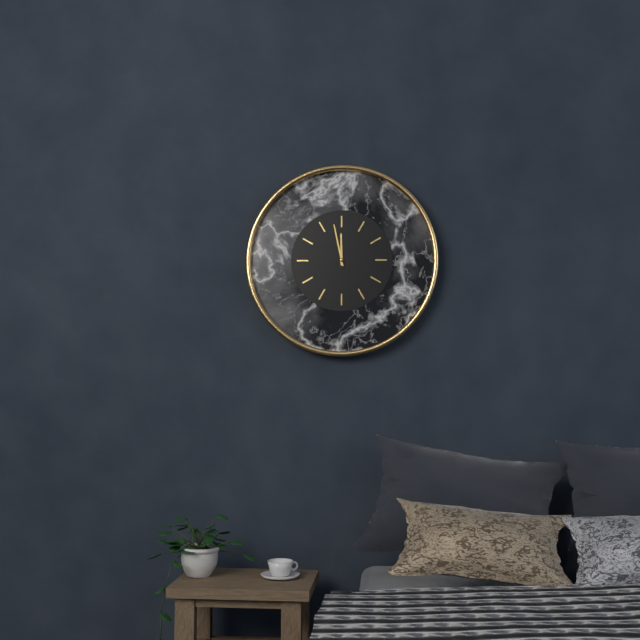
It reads 11h58
